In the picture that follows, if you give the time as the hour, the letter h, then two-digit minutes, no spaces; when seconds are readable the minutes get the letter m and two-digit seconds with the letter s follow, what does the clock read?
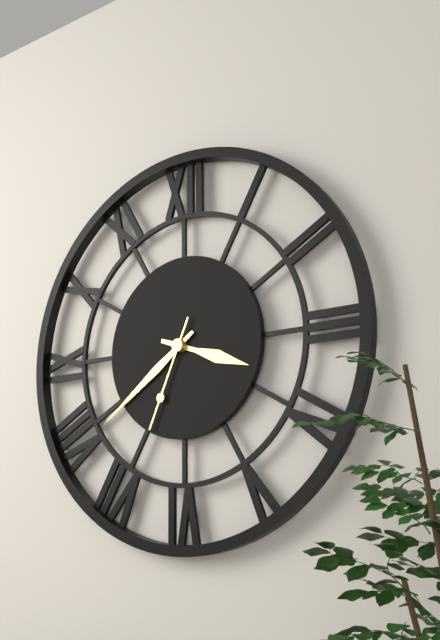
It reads 3h39m34s
